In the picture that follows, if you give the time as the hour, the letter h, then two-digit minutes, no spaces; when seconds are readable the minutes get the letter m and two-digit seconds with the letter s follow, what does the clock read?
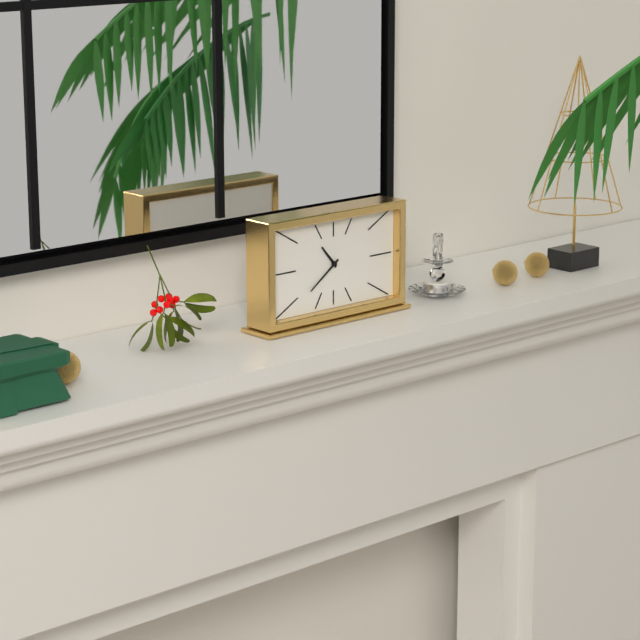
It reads 10h39
